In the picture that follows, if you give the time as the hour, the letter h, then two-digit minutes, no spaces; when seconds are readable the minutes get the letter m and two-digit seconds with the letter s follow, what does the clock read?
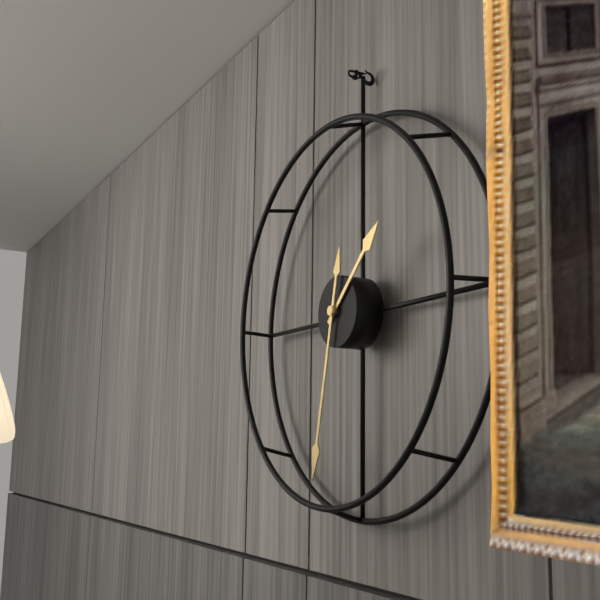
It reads 1h32
